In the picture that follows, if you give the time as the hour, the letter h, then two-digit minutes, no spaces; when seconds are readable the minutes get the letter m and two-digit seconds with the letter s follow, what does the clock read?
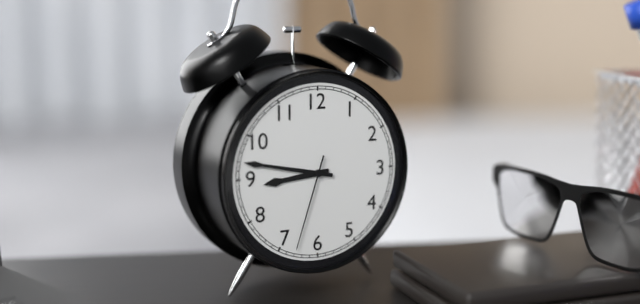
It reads 8h47m33s
